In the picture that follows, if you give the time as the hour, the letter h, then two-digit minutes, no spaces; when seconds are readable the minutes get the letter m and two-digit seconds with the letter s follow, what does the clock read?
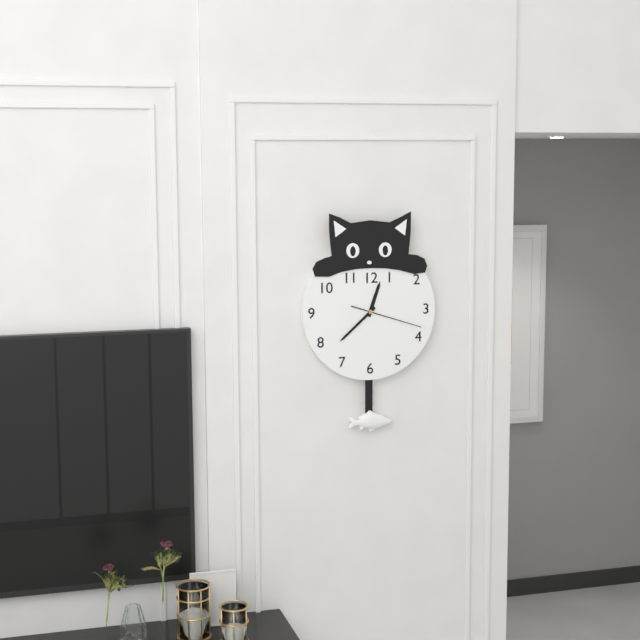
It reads 12h38m18s
